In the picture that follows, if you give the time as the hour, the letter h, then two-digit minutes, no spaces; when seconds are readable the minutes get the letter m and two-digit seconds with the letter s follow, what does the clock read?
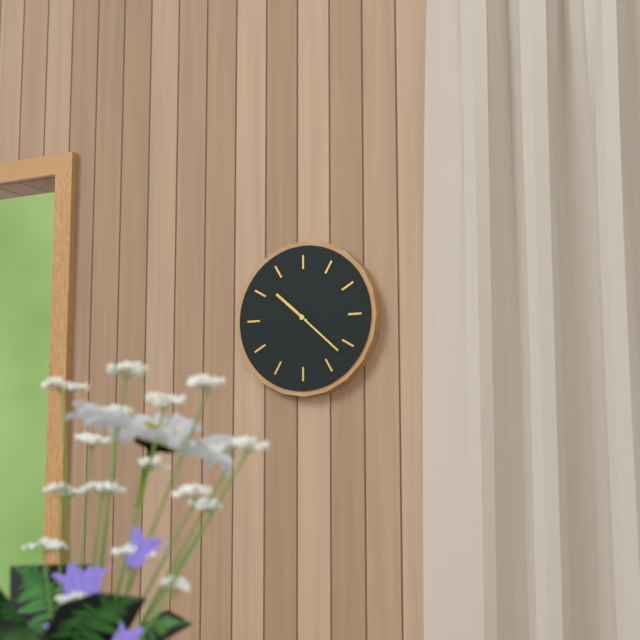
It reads 10h22
